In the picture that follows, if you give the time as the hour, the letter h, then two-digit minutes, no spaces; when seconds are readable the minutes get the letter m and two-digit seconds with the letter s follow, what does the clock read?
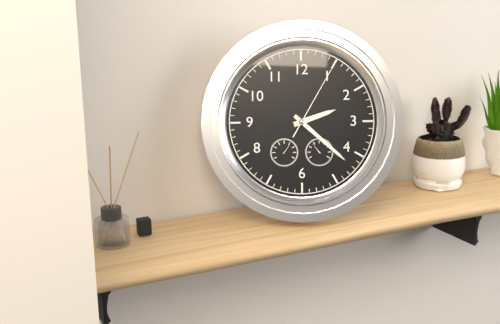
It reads 2h22m05s
